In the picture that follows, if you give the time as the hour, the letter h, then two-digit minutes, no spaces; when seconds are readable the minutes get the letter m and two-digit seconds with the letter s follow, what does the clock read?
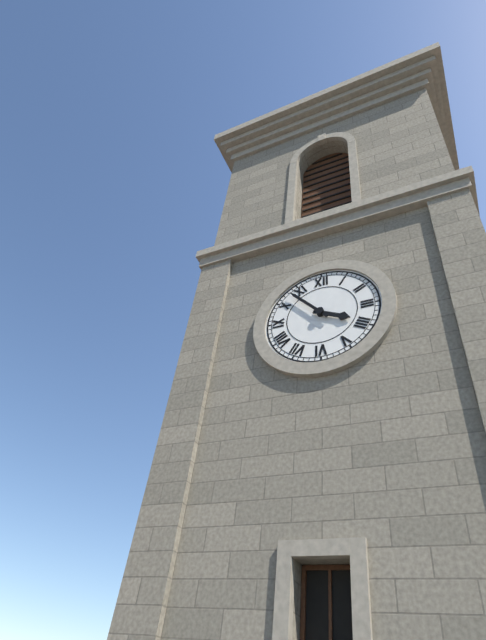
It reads 3h53
